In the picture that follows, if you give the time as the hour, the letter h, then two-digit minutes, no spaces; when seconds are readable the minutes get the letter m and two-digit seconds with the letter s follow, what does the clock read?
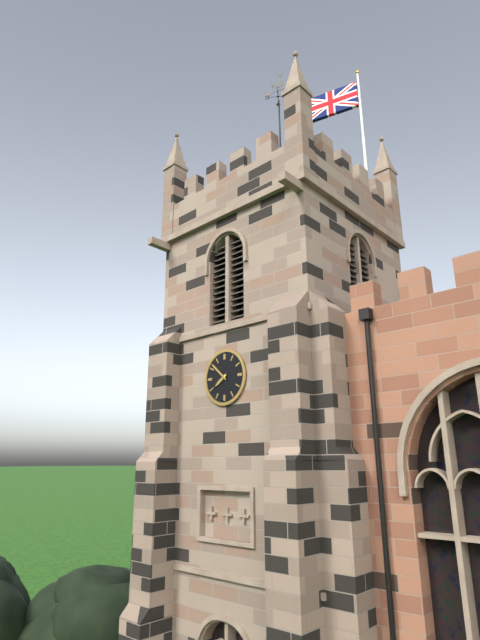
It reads 7h52
